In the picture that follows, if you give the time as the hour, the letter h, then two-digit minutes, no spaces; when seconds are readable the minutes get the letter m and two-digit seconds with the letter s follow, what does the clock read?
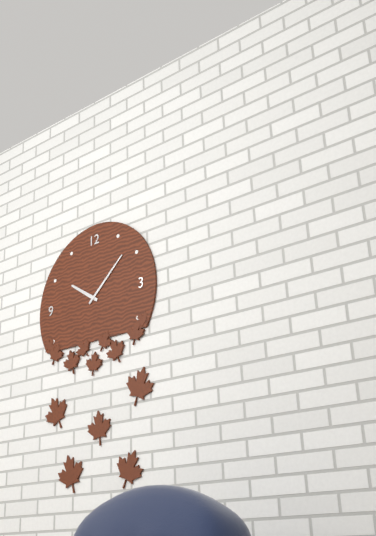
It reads 10h08
